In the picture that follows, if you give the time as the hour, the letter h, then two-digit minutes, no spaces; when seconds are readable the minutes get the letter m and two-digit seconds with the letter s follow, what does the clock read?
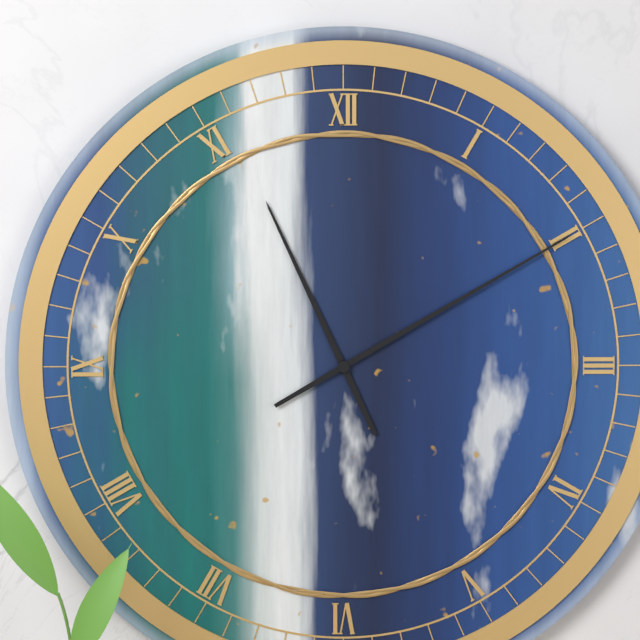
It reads 11h10
